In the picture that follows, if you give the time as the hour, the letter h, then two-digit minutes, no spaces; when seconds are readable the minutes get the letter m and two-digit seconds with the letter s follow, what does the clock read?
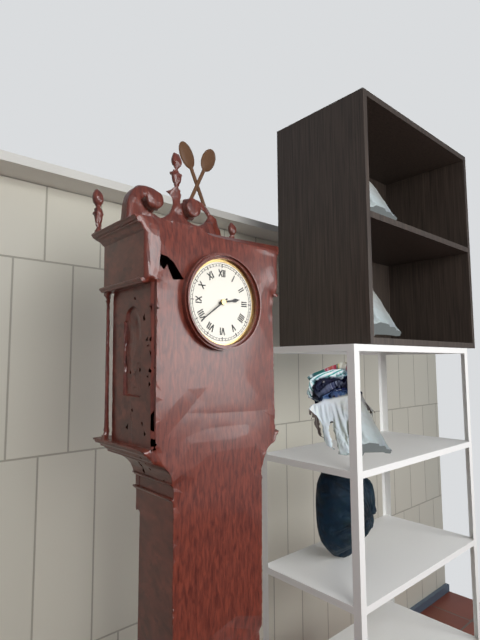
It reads 2h39
